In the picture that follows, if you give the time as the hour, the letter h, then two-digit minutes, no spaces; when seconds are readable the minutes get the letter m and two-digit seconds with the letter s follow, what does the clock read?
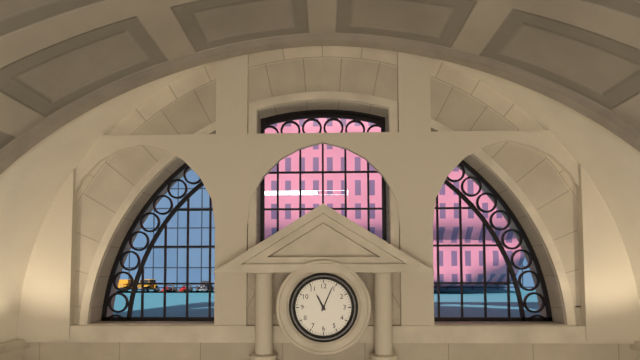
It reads 11h04
